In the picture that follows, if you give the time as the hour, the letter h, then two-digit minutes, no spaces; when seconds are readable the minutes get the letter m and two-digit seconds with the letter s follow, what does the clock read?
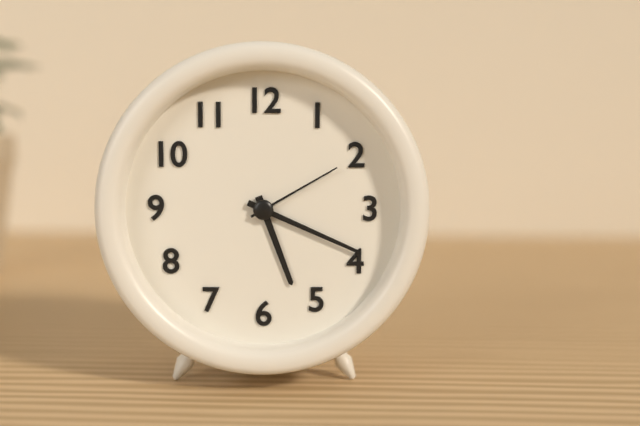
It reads 5h19m10s
